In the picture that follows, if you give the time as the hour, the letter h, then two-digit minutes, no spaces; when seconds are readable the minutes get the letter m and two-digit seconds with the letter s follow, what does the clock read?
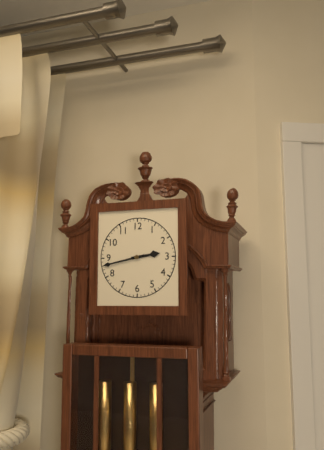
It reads 2h43
